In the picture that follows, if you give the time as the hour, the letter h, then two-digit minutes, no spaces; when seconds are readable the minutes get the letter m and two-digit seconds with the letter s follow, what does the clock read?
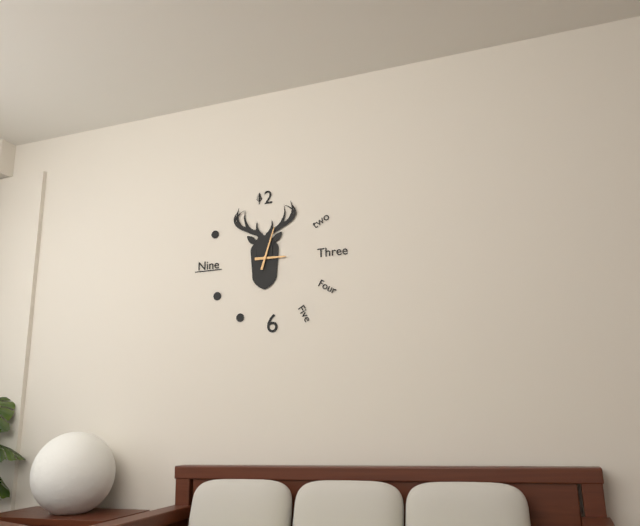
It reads 3h03
